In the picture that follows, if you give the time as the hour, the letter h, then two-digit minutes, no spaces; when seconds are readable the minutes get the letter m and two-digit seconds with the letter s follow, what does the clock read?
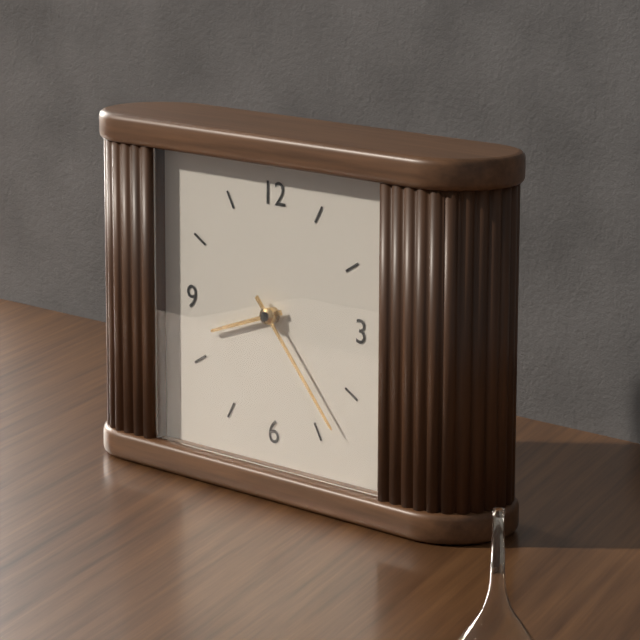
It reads 8h23
